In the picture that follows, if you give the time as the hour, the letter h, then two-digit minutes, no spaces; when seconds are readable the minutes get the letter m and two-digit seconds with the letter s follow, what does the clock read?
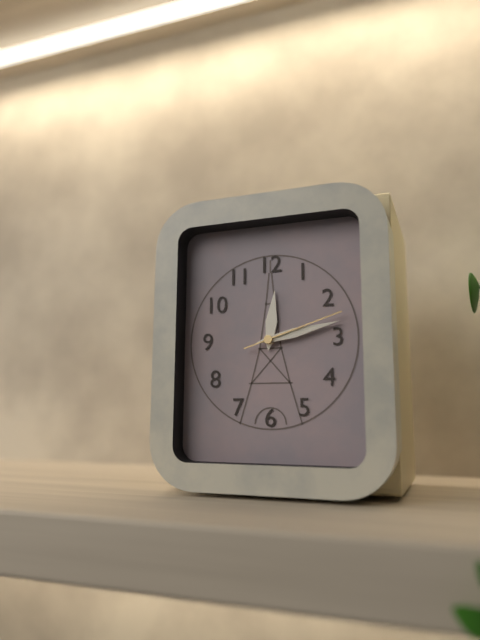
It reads 12h13m12s
